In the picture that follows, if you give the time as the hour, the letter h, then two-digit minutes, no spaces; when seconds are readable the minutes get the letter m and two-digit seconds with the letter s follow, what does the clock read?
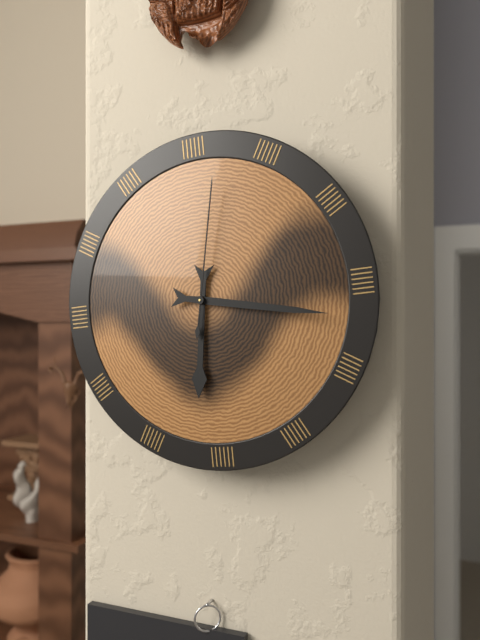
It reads 6h17m02s
